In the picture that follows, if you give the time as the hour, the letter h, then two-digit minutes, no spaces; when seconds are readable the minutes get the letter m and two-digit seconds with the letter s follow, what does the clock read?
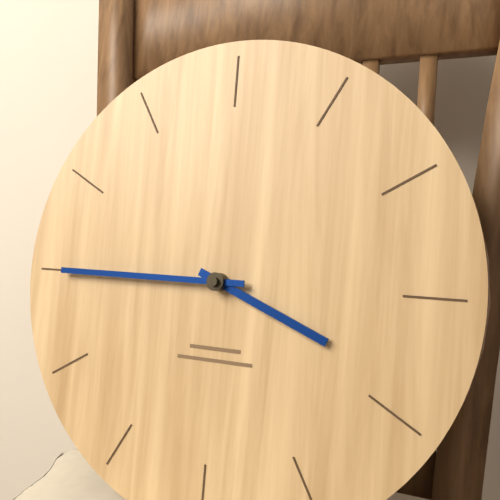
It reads 3h45
